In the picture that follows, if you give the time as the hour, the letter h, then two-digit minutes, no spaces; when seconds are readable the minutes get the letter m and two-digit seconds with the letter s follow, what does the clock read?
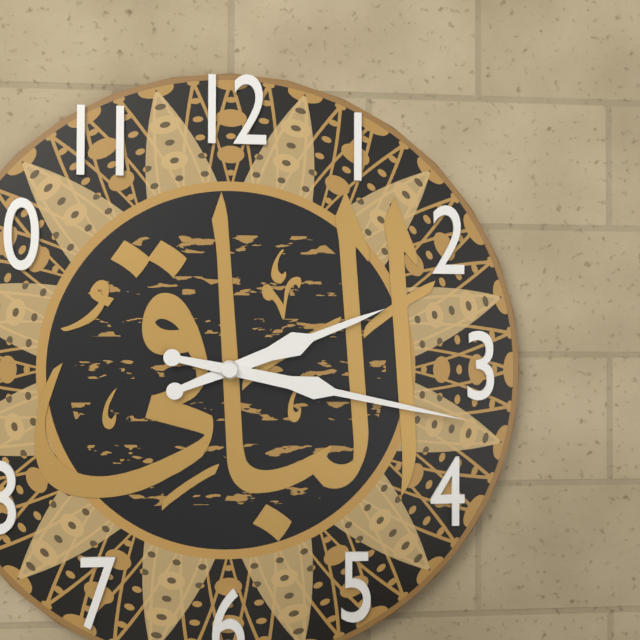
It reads 2h17
